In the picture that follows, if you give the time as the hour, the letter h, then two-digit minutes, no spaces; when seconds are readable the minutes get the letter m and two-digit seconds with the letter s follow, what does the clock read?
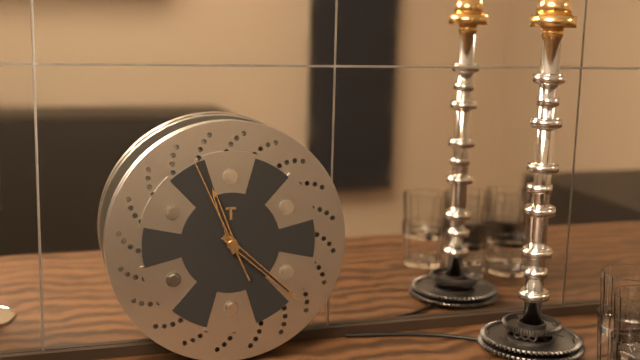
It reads 11h22m56s
